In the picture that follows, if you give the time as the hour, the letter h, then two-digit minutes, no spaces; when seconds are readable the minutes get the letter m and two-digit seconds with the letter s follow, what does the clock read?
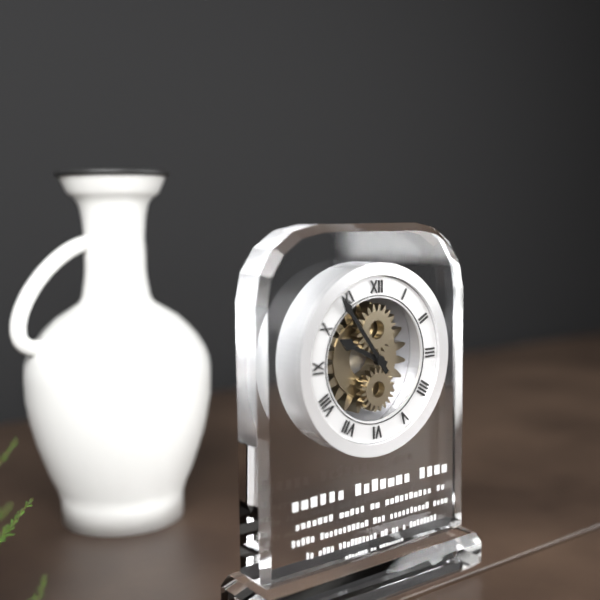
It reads 9h54
